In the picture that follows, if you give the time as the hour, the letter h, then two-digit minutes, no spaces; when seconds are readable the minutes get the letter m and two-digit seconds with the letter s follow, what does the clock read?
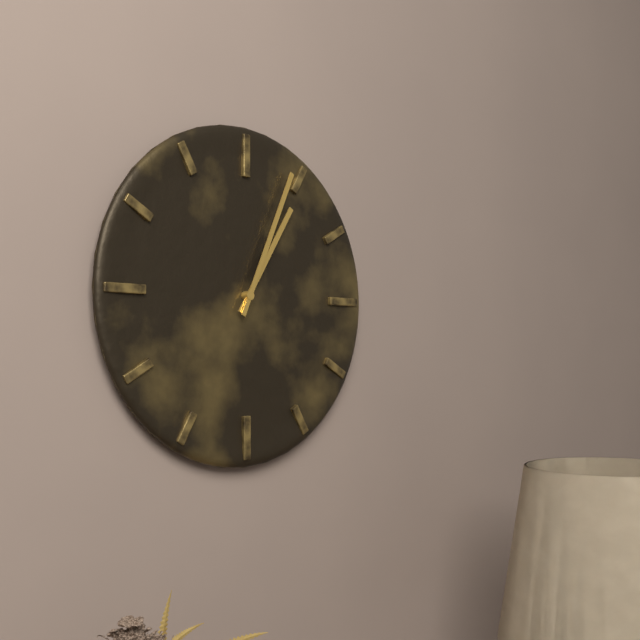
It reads 1h04
